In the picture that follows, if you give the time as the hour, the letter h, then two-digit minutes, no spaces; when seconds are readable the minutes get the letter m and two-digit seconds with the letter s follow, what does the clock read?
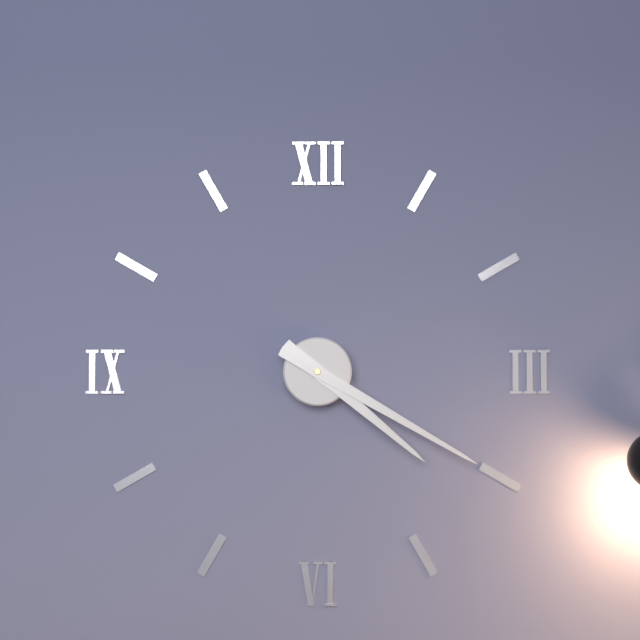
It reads 4h20
